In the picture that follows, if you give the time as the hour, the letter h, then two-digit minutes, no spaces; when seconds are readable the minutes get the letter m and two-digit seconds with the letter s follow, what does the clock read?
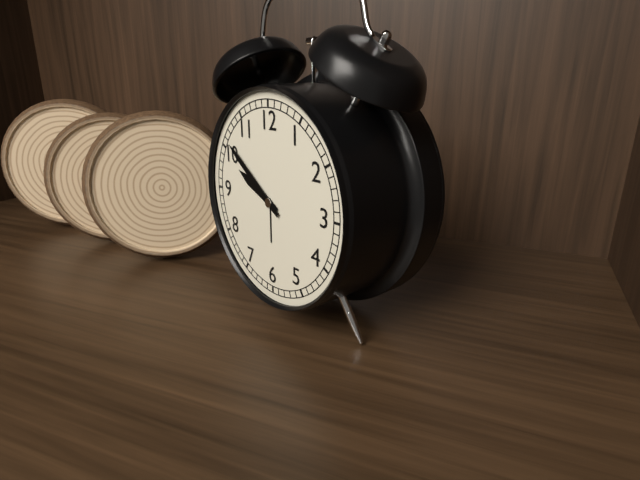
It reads 9h51
